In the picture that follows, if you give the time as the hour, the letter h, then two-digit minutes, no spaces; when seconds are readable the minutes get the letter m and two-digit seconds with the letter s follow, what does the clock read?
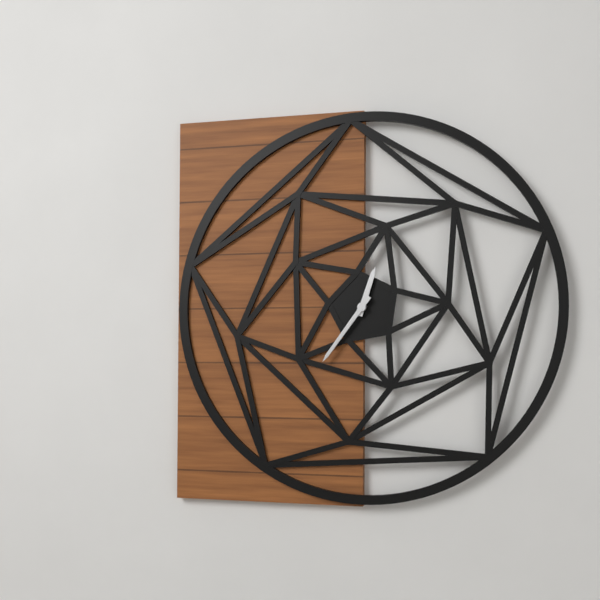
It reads 12h36
